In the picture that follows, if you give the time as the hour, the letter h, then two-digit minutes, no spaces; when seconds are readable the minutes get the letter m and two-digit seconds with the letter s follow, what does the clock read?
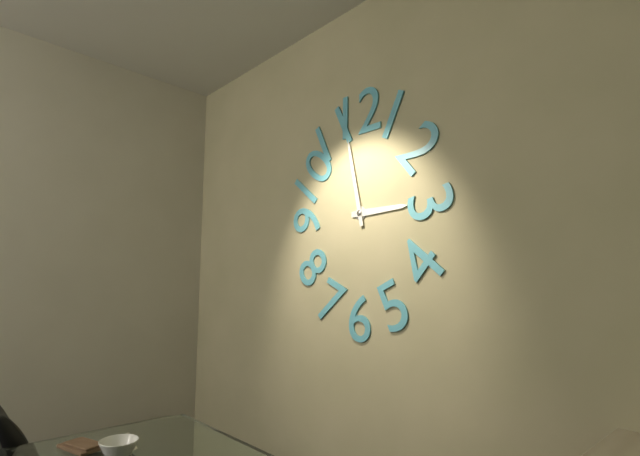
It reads 2h58
